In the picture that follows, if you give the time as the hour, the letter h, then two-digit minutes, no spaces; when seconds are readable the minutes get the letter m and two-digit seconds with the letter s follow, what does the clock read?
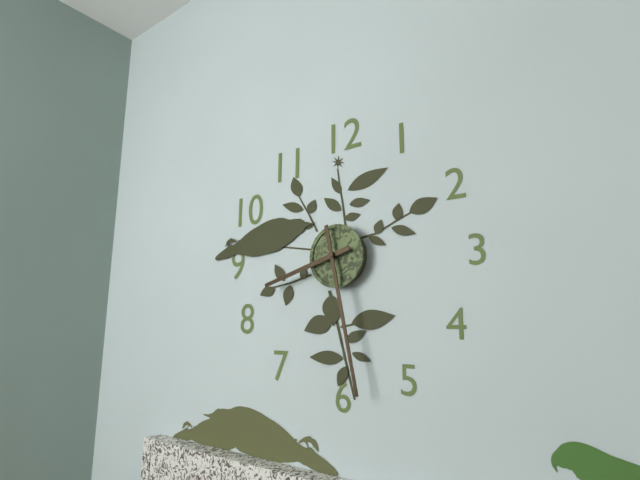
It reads 8h28
